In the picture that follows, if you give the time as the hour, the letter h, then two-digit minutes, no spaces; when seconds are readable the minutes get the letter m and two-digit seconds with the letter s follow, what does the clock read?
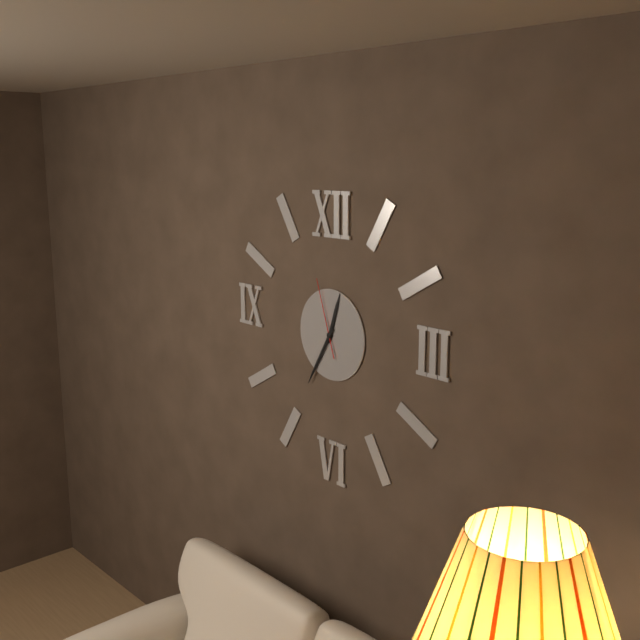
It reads 12h35m57s
